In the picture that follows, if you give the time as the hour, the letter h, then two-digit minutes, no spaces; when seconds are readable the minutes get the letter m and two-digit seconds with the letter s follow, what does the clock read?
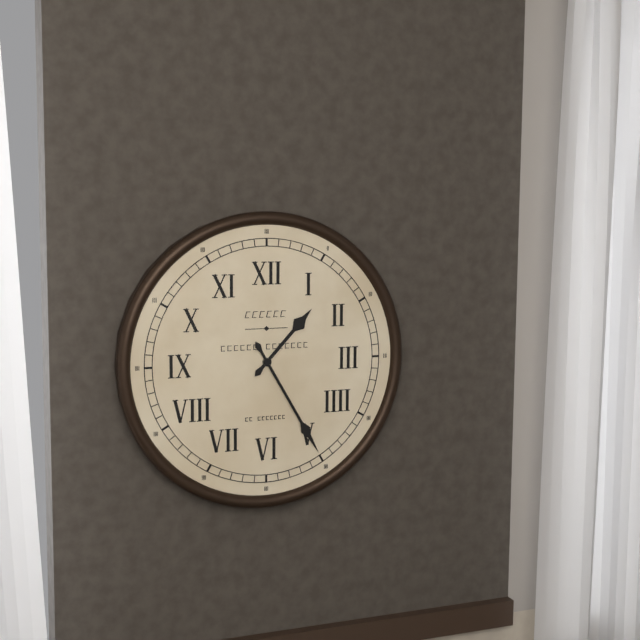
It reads 1h25
